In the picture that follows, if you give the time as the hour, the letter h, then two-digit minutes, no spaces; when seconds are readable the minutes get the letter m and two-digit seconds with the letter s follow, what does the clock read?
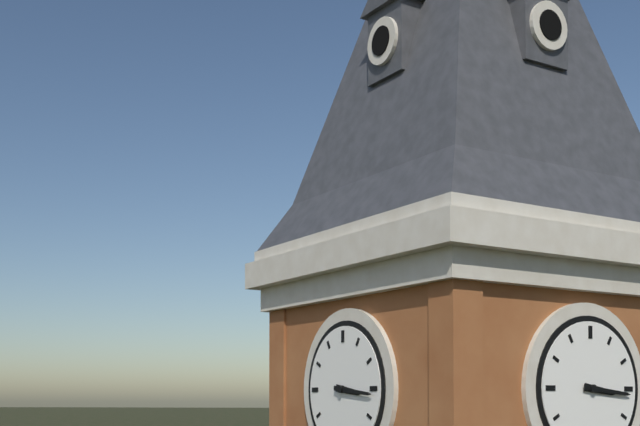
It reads 3h16
